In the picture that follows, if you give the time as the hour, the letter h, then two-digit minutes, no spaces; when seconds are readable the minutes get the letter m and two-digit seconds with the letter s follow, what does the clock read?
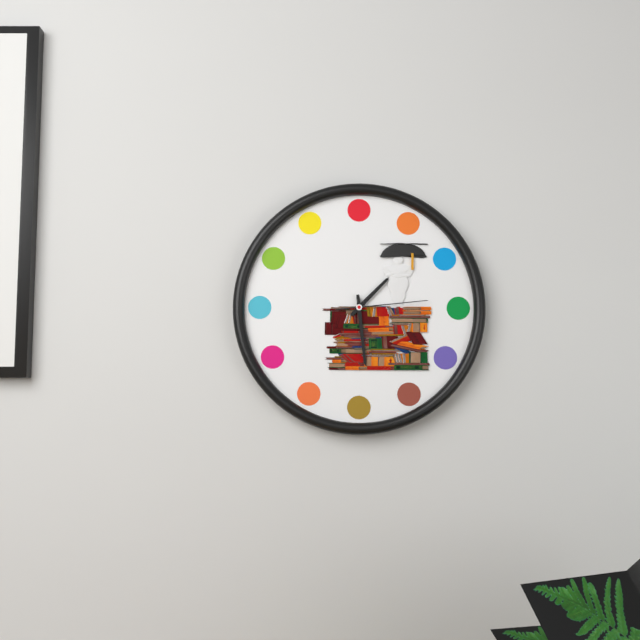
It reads 1h29m14s
